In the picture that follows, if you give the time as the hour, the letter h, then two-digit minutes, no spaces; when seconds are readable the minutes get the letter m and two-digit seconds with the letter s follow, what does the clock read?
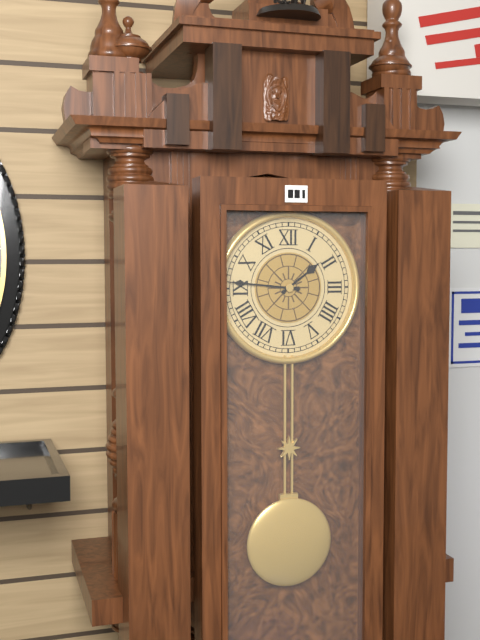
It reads 1h46
